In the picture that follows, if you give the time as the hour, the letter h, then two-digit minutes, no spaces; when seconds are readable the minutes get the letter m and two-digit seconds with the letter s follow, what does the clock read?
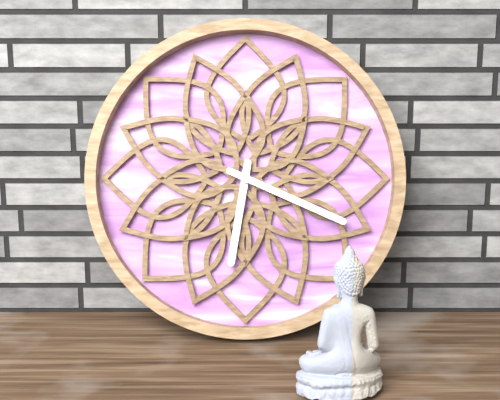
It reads 6h19
